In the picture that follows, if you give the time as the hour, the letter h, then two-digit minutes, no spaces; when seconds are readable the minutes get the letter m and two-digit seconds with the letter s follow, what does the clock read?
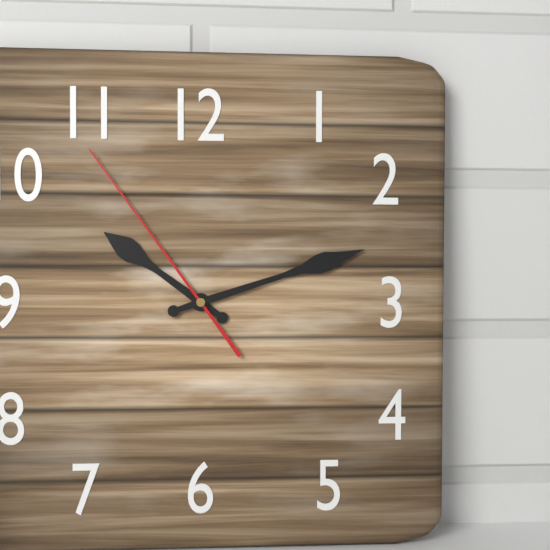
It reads 10h12m54s
